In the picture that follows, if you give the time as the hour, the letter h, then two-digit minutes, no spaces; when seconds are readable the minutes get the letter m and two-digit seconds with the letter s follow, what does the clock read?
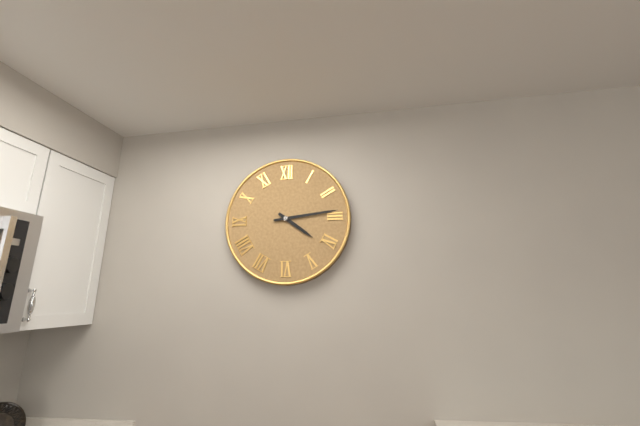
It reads 4h14
